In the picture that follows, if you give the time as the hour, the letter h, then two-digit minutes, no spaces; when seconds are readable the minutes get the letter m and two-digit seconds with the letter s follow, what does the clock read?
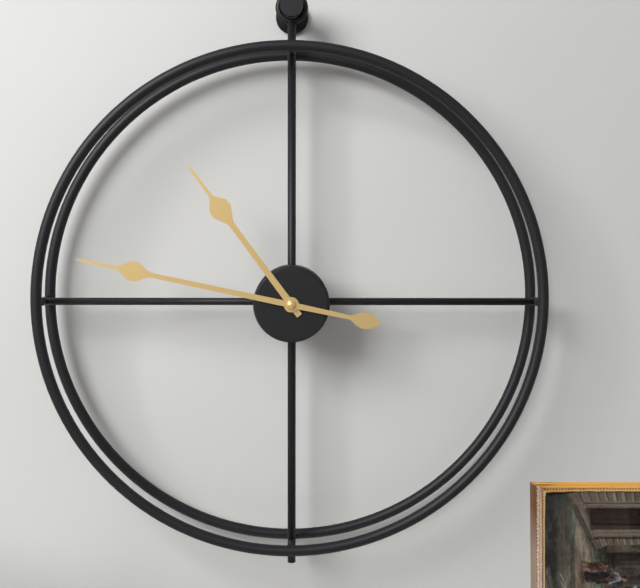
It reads 10h47
